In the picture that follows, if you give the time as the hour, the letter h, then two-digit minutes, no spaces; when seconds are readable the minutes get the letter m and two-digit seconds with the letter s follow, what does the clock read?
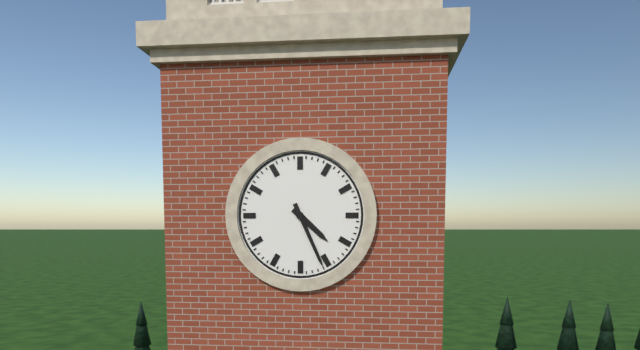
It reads 4h26
